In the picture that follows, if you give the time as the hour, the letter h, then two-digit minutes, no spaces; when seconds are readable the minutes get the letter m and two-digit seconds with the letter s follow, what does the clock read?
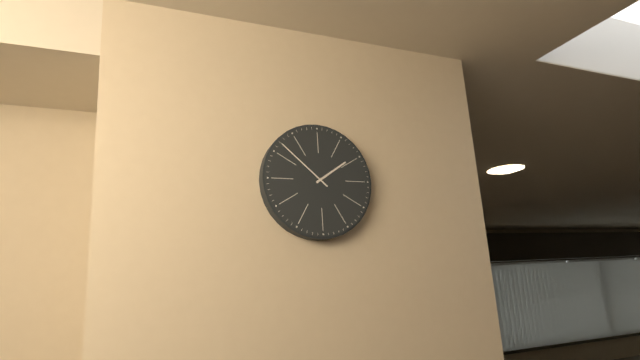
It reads 1h52
